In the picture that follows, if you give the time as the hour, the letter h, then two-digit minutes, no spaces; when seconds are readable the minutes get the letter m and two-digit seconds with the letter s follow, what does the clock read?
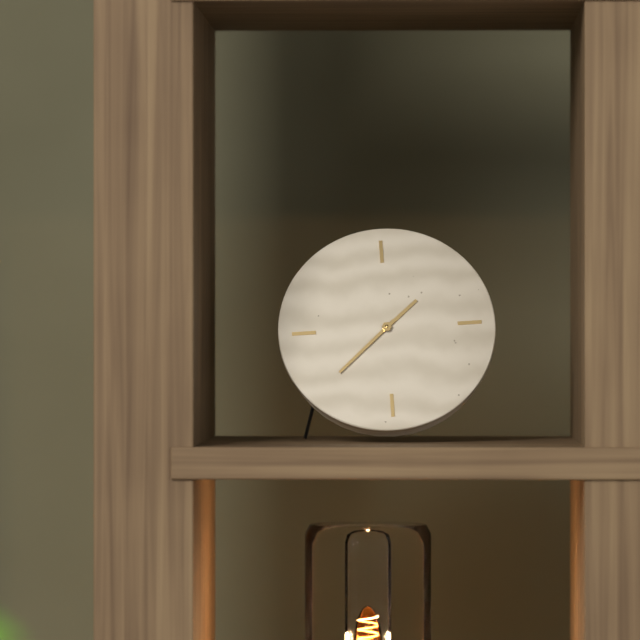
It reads 1h38
